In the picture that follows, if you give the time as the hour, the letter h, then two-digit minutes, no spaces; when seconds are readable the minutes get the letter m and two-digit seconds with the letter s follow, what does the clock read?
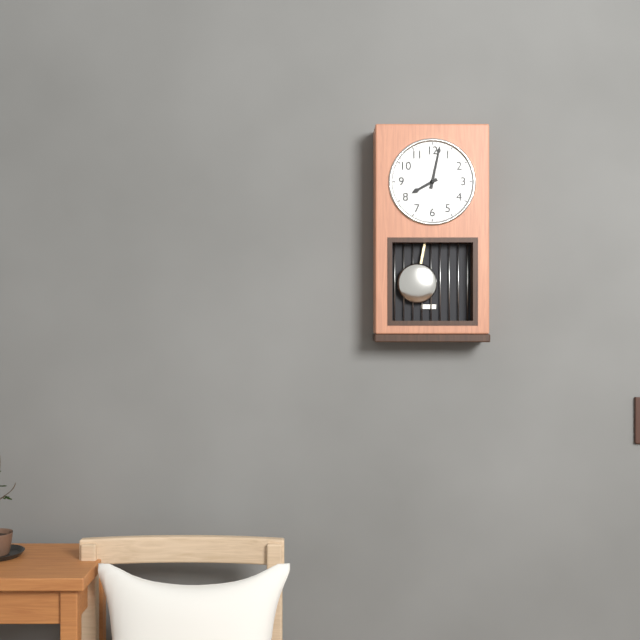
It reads 8h02
